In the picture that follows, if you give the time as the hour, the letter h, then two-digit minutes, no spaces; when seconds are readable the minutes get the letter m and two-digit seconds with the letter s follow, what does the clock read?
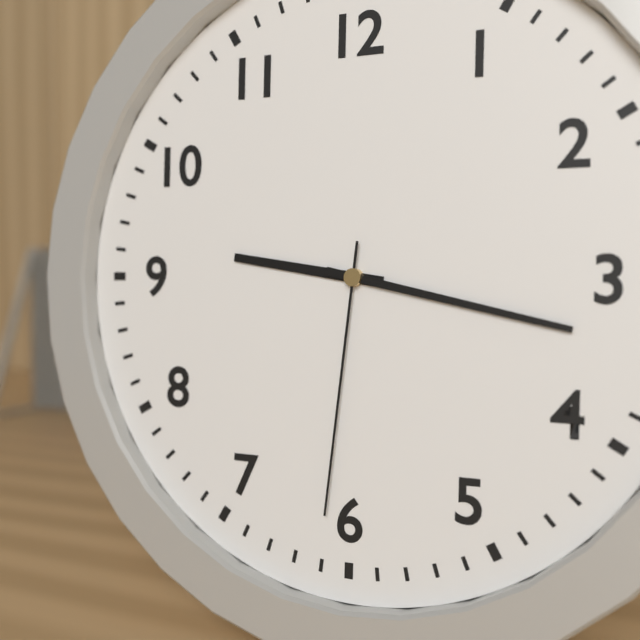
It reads 9h17m31s
